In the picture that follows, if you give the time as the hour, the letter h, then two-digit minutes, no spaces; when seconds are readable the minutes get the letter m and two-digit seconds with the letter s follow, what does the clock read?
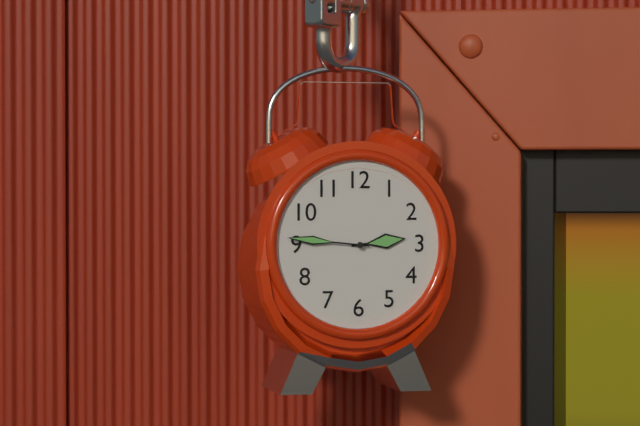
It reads 2h46
